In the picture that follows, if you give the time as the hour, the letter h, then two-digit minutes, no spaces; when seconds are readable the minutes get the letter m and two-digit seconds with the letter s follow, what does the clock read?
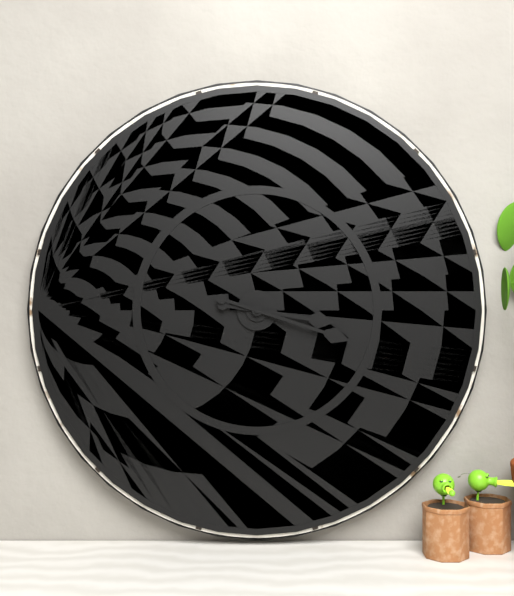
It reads 3h18
